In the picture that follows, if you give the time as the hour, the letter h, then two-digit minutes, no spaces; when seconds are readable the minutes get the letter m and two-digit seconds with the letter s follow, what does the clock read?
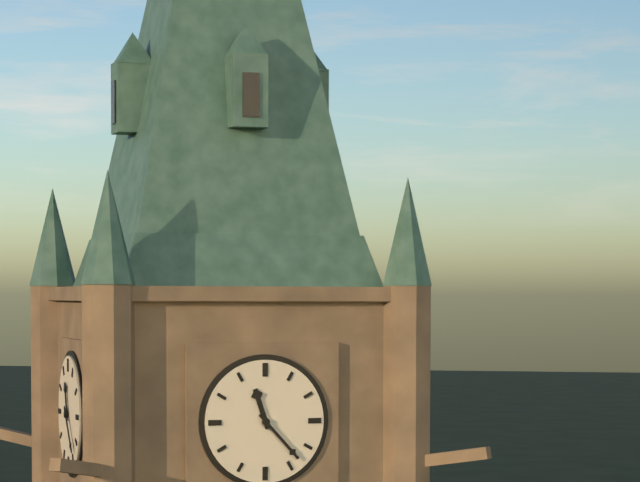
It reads 11h23
